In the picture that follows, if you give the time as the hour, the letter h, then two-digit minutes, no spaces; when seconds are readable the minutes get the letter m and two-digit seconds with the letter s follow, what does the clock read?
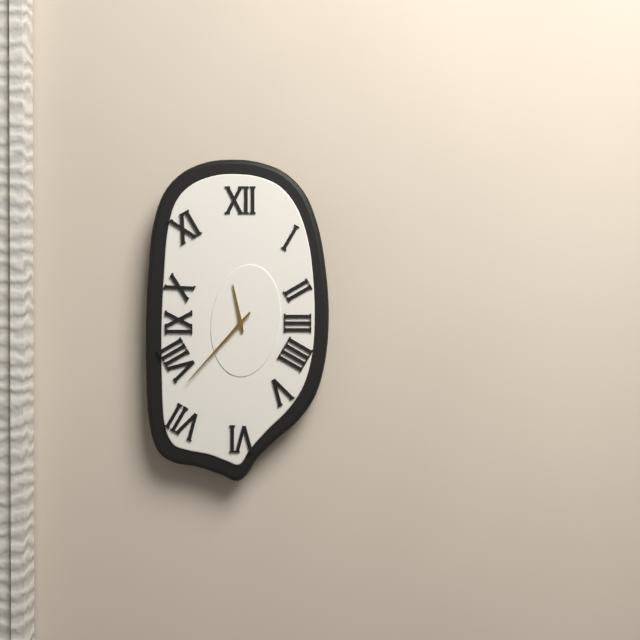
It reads 11h37
